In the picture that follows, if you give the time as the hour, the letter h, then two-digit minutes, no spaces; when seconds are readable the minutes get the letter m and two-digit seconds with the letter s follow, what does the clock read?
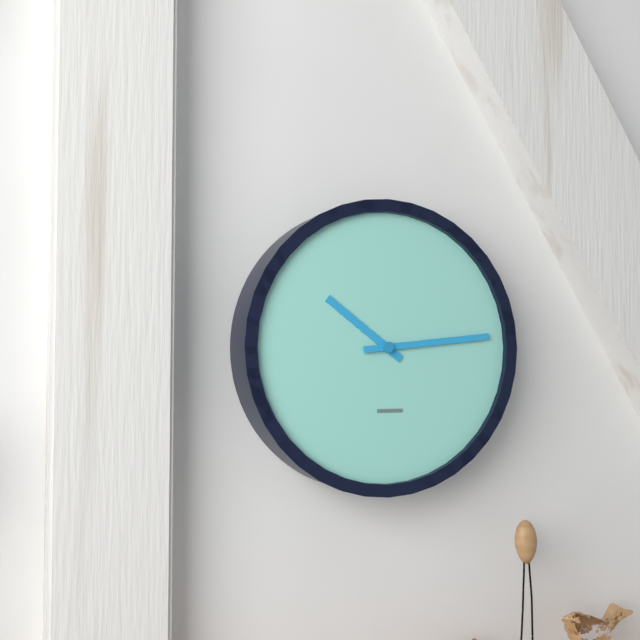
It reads 10h14
